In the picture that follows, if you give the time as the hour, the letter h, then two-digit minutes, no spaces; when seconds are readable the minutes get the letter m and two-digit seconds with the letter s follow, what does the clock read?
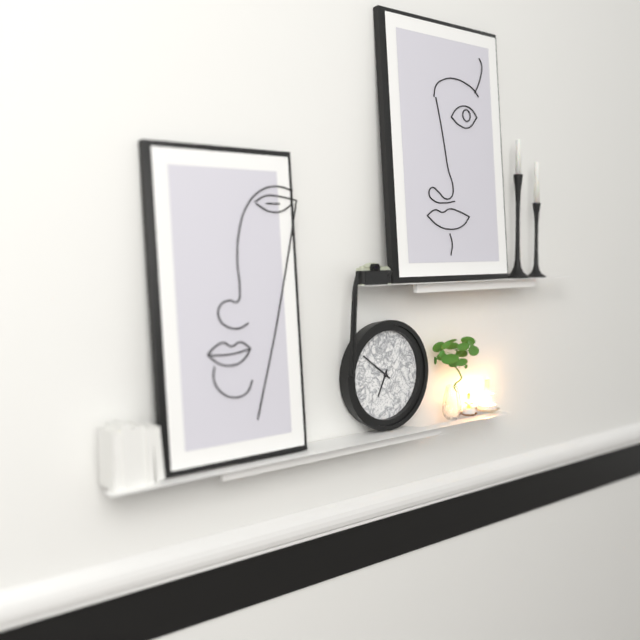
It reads 6h51
